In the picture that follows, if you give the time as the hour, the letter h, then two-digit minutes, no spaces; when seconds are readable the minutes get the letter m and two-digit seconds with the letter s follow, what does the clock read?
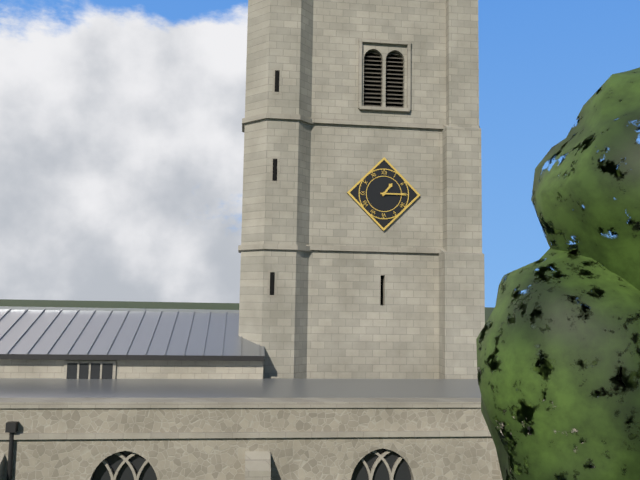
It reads 1h15
